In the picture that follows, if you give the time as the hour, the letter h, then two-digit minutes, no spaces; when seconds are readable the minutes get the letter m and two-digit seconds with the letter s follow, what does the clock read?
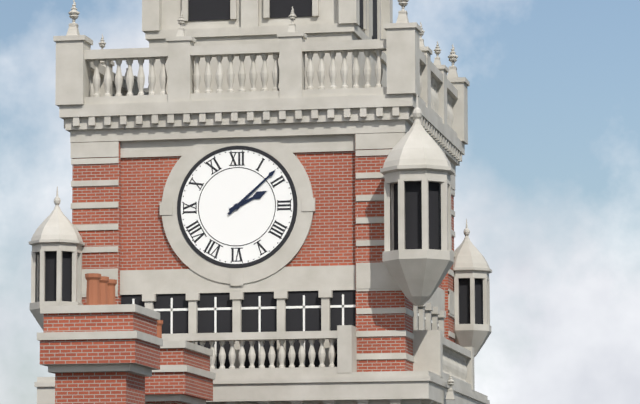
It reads 2h08
